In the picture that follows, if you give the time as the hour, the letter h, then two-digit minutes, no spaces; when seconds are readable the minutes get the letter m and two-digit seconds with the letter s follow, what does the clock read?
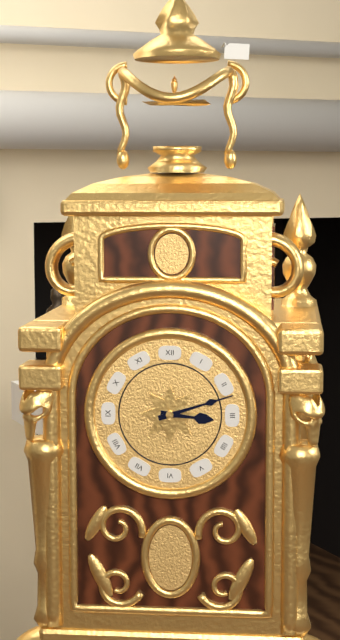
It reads 3h12
